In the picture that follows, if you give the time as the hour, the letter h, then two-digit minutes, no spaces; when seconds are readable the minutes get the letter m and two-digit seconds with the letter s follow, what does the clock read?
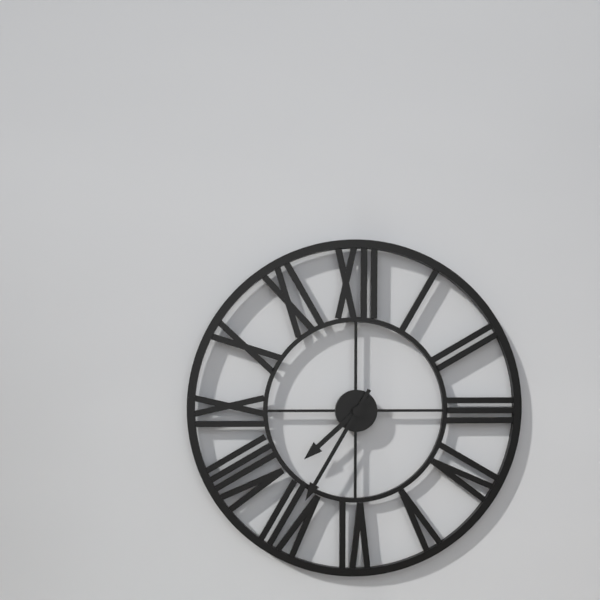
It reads 7h35
